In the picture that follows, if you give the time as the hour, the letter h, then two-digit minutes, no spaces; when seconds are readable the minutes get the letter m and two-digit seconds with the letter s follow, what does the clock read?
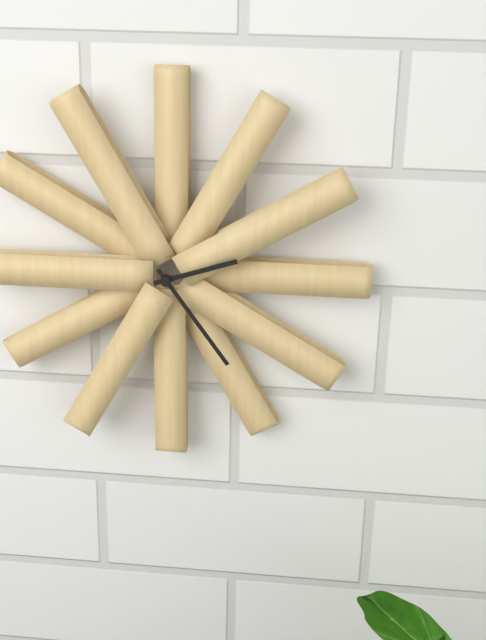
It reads 2h24
